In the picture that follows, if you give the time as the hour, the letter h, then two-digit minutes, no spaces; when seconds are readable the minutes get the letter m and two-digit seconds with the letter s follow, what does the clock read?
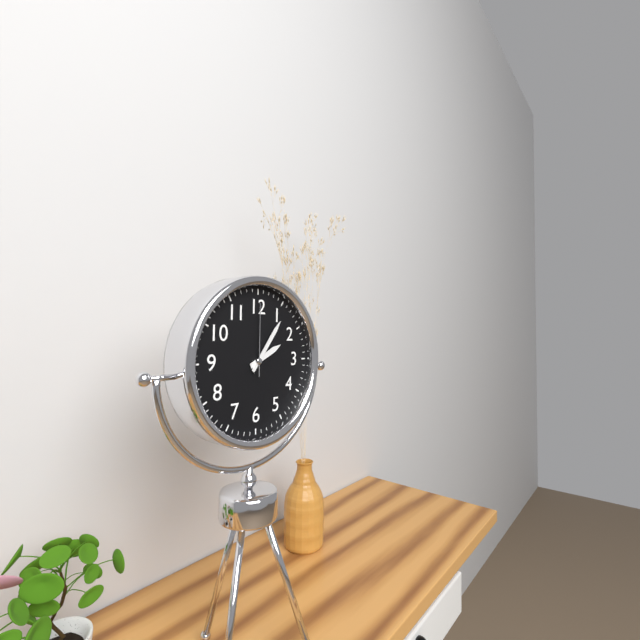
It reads 2h06m00s
